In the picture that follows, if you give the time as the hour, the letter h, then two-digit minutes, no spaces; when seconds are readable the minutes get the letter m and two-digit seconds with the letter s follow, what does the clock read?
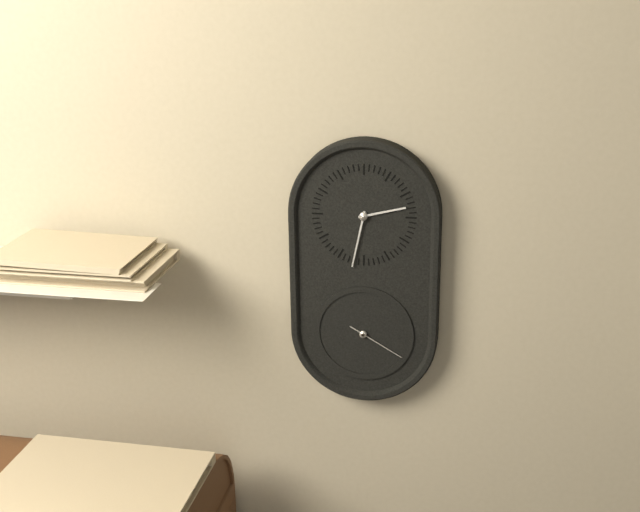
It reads 2h32m20s
